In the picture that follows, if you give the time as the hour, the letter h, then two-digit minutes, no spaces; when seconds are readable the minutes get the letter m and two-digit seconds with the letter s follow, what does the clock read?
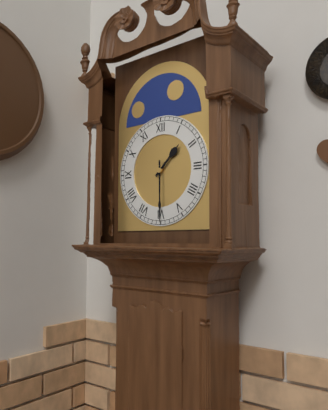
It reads 1h30
